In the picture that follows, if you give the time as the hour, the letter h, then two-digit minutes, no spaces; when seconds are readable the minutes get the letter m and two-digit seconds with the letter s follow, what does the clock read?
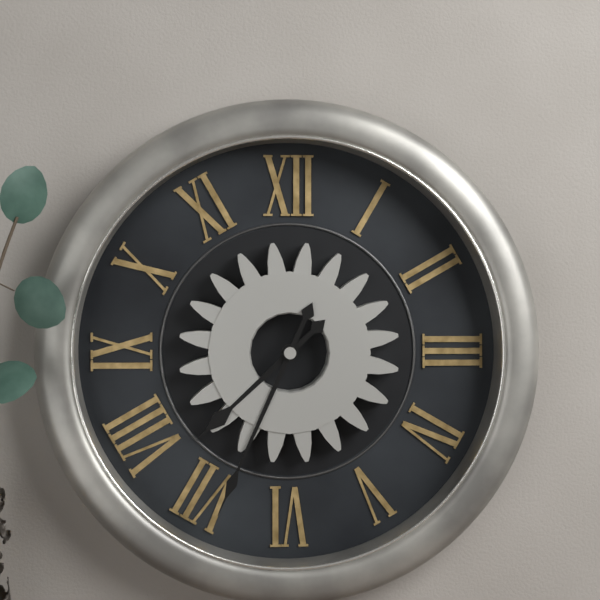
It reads 7h34
